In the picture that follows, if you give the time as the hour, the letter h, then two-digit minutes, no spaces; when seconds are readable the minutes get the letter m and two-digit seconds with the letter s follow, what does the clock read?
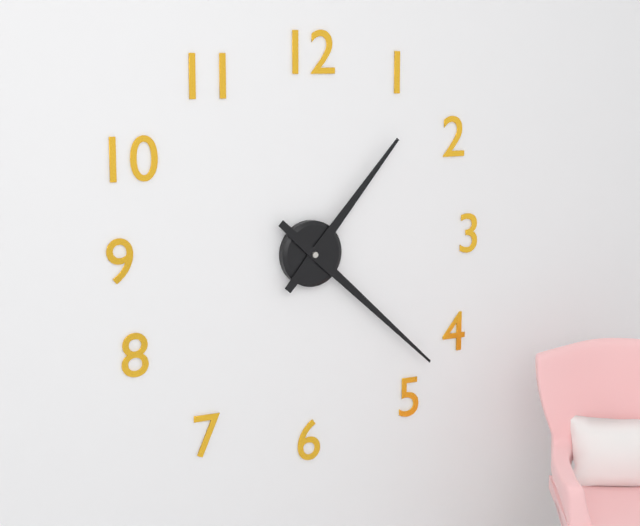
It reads 1h22
